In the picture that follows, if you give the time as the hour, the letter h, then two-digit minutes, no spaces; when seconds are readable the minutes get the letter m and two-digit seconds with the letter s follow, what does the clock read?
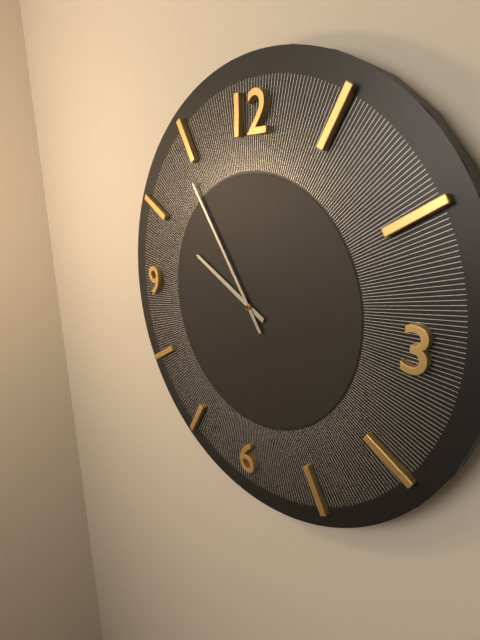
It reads 9h54
